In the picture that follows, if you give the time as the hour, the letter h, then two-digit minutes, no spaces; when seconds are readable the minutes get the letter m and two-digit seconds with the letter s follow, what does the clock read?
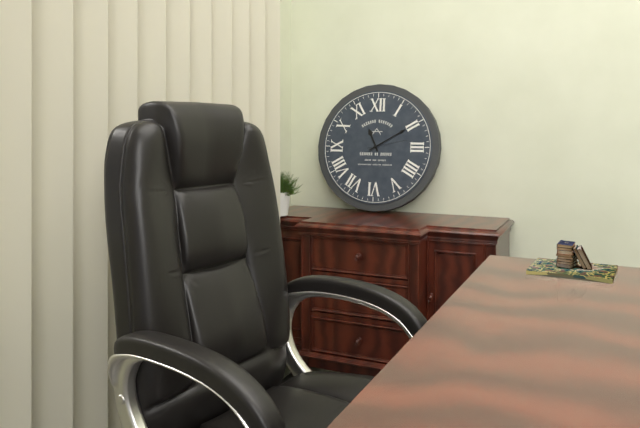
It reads 11h10
